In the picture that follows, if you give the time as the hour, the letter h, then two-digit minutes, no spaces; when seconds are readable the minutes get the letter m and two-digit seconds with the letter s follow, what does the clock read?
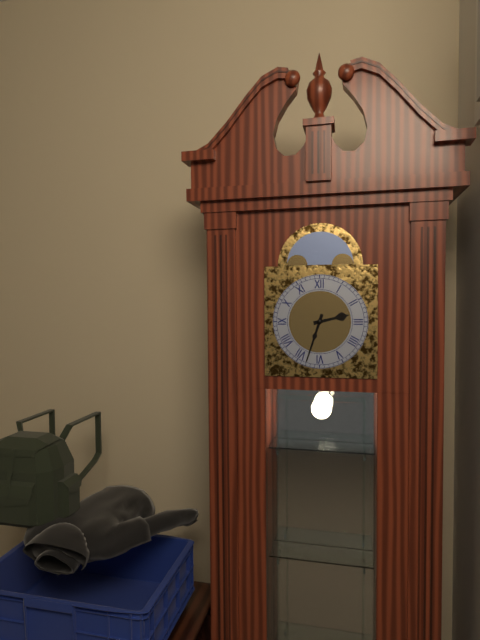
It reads 2h33
